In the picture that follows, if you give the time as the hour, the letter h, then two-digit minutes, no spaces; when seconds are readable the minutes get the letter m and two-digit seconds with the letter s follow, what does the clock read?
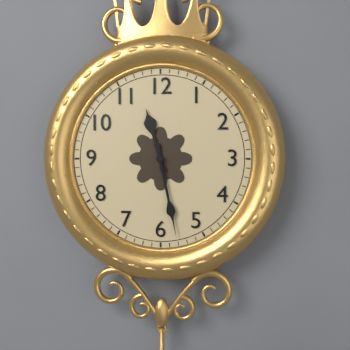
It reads 11h28
